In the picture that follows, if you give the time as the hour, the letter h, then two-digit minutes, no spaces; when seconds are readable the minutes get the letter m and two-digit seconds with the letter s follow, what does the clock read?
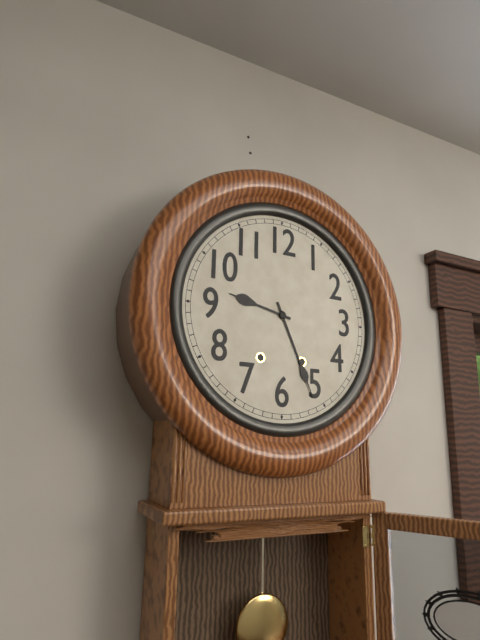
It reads 9h26
